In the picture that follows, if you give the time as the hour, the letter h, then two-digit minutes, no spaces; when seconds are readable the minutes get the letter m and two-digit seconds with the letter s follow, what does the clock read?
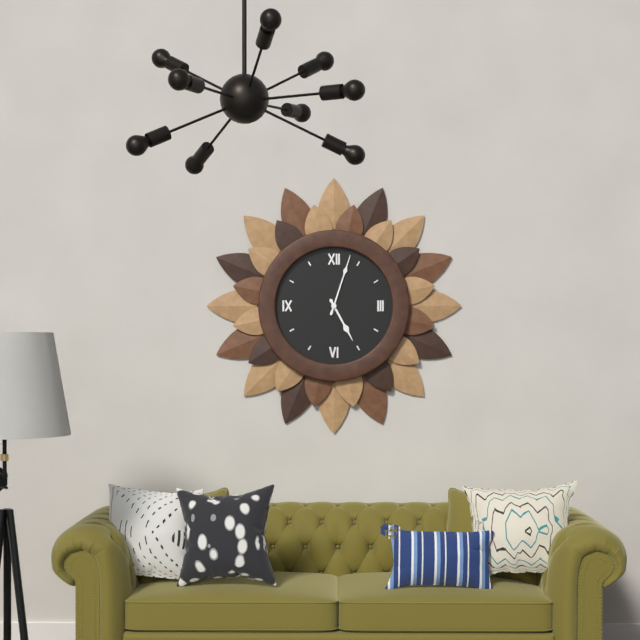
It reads 5h03
